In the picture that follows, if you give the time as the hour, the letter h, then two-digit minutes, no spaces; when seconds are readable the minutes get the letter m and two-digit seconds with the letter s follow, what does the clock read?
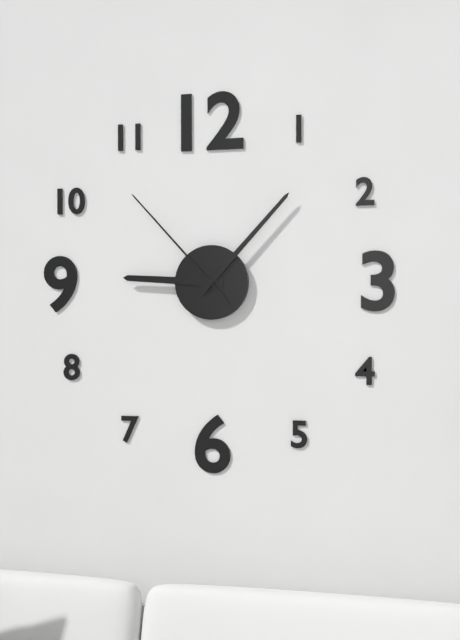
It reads 9h07m53s
